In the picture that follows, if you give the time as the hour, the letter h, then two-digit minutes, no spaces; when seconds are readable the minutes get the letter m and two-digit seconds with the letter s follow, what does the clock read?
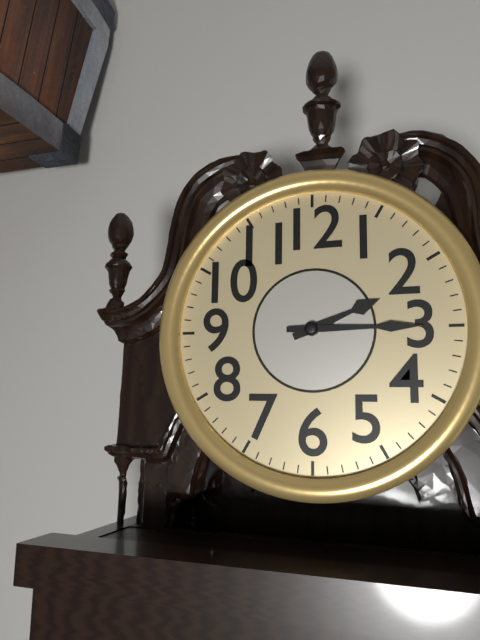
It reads 2h15
